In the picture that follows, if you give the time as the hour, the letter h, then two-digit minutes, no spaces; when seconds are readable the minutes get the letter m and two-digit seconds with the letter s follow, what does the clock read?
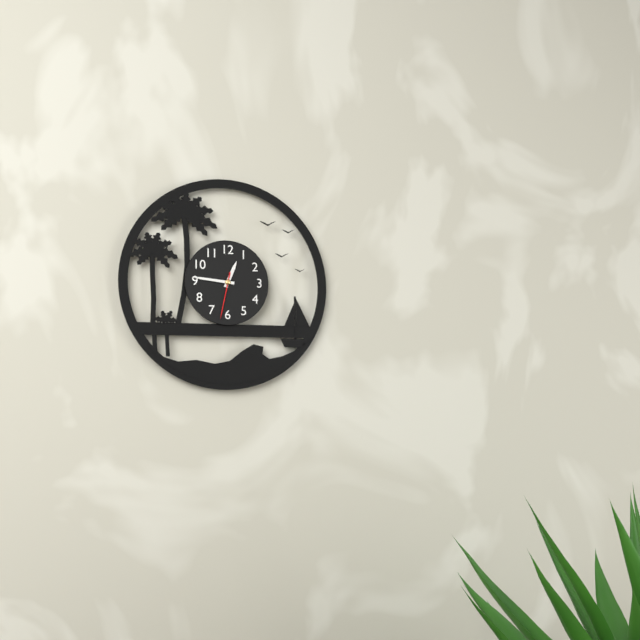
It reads 12h46
